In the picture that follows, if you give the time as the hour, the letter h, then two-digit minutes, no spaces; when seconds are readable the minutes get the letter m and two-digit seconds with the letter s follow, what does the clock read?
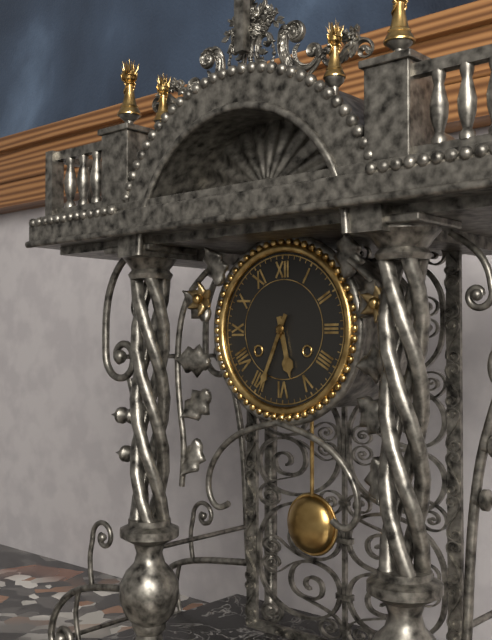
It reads 5h34
